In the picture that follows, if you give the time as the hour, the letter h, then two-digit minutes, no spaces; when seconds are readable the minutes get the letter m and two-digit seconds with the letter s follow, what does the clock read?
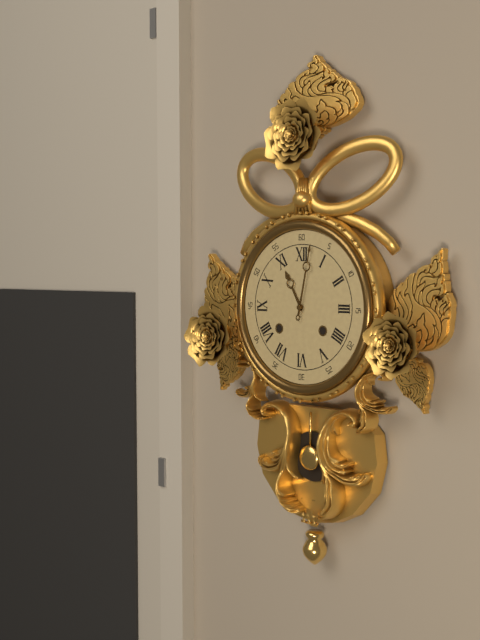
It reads 11h02
